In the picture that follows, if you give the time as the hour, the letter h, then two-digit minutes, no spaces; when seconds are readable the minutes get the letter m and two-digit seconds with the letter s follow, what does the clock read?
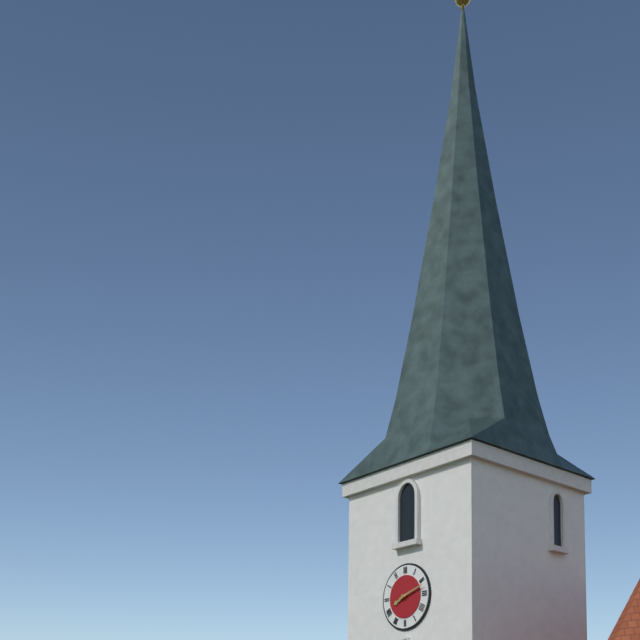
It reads 8h12
